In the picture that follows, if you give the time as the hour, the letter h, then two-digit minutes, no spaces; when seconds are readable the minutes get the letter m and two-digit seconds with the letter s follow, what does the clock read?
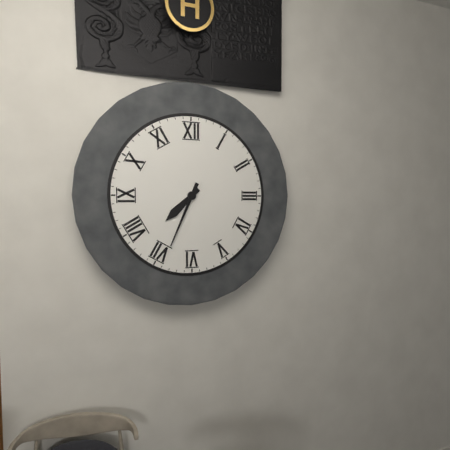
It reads 7h34
